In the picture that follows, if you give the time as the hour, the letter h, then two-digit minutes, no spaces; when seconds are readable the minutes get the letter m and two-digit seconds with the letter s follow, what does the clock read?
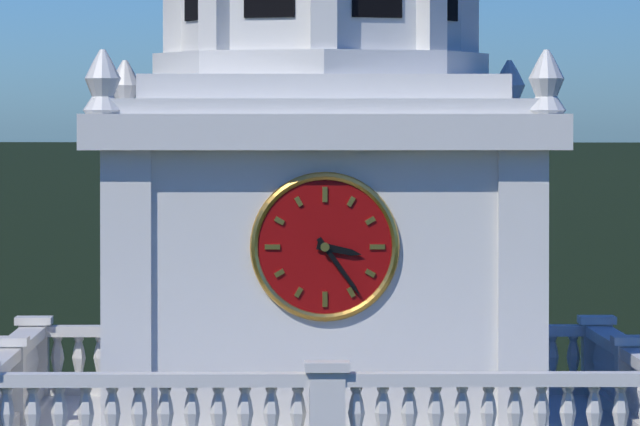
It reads 3h24
